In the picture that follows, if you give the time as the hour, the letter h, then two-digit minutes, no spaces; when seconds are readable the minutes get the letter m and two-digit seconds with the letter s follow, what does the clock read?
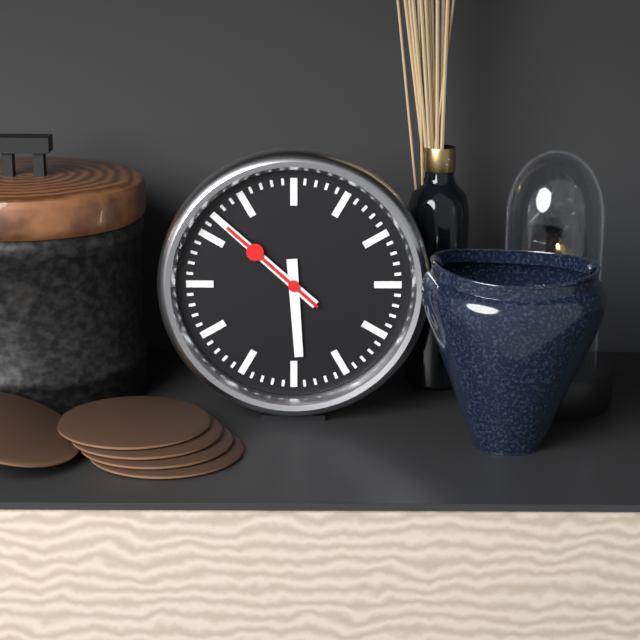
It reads 5h52m52s
